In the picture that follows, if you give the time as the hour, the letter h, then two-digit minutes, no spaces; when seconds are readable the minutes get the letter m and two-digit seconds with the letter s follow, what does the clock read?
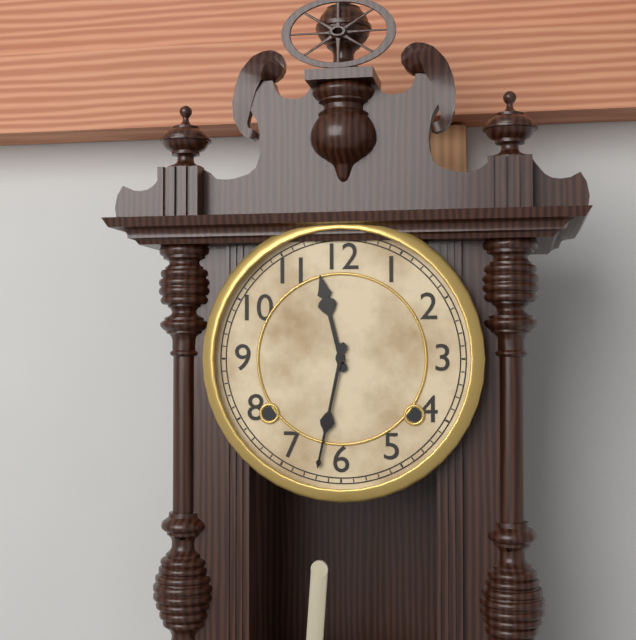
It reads 11h32
